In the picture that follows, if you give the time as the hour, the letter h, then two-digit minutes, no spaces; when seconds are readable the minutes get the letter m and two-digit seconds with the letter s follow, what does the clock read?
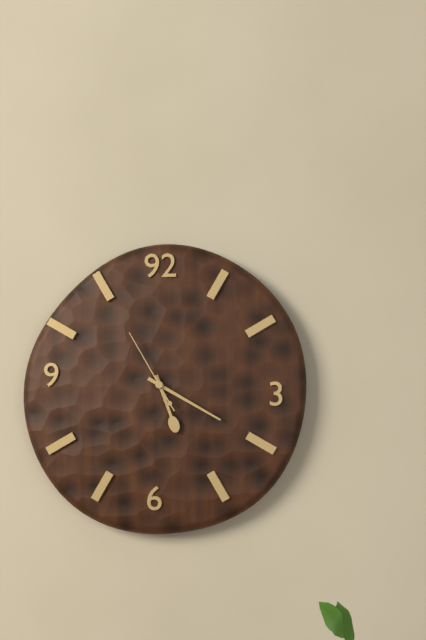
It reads 5h20m55s
